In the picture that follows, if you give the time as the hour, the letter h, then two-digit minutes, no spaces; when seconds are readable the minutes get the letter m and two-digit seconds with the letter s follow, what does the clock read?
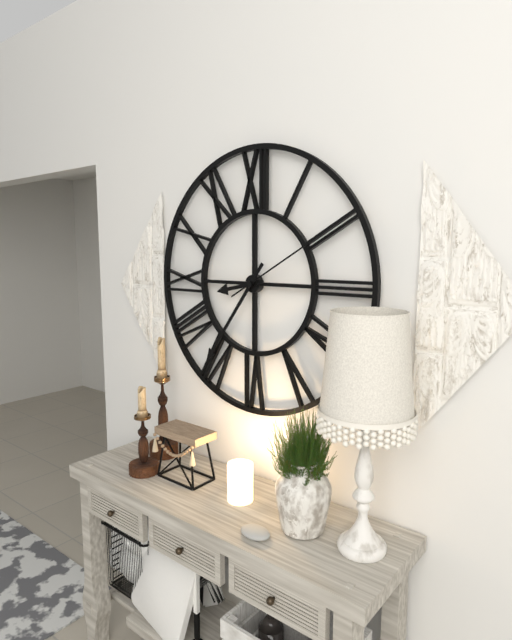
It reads 8h36m10s
